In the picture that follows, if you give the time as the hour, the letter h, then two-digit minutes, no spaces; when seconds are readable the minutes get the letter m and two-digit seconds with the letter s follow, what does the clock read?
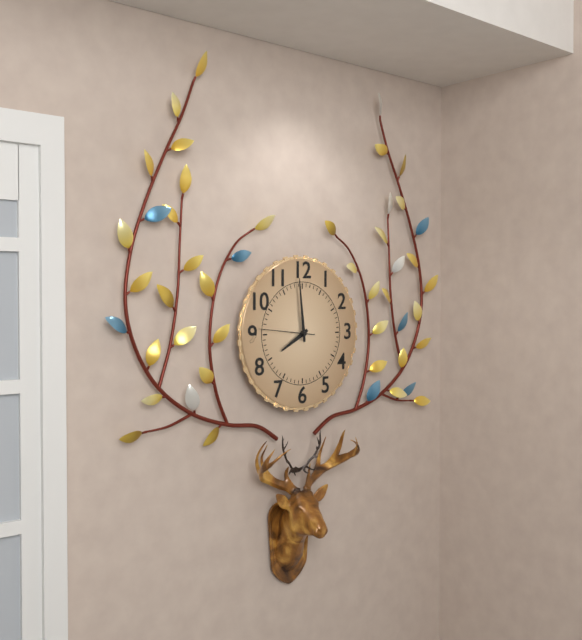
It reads 7h59m46s
